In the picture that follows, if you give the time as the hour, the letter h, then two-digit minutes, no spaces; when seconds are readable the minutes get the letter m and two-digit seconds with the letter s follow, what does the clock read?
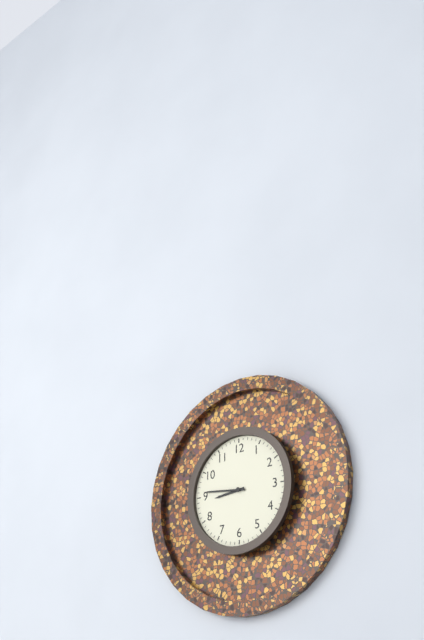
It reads 8h46
